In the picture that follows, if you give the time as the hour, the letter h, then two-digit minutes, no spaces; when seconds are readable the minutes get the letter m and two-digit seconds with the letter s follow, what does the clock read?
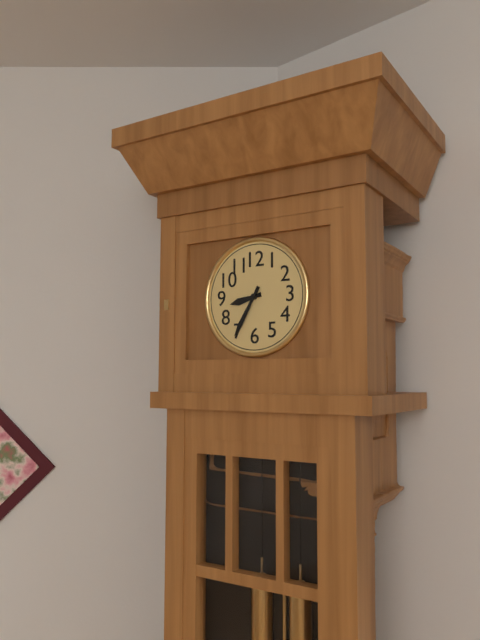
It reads 8h35
